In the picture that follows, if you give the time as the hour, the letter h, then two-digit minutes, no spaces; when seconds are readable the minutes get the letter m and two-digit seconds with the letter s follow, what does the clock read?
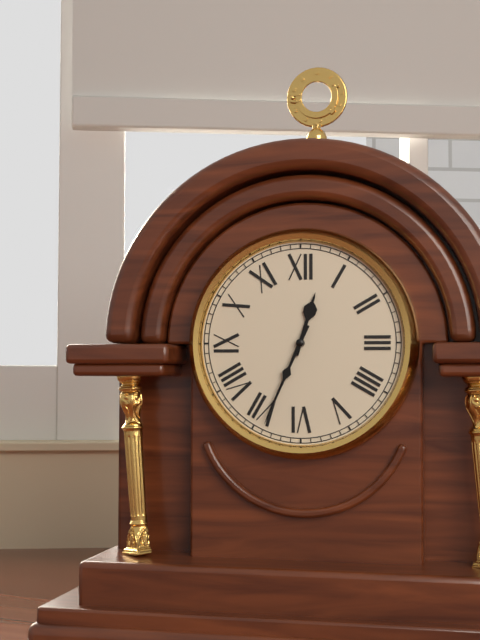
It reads 12h34
